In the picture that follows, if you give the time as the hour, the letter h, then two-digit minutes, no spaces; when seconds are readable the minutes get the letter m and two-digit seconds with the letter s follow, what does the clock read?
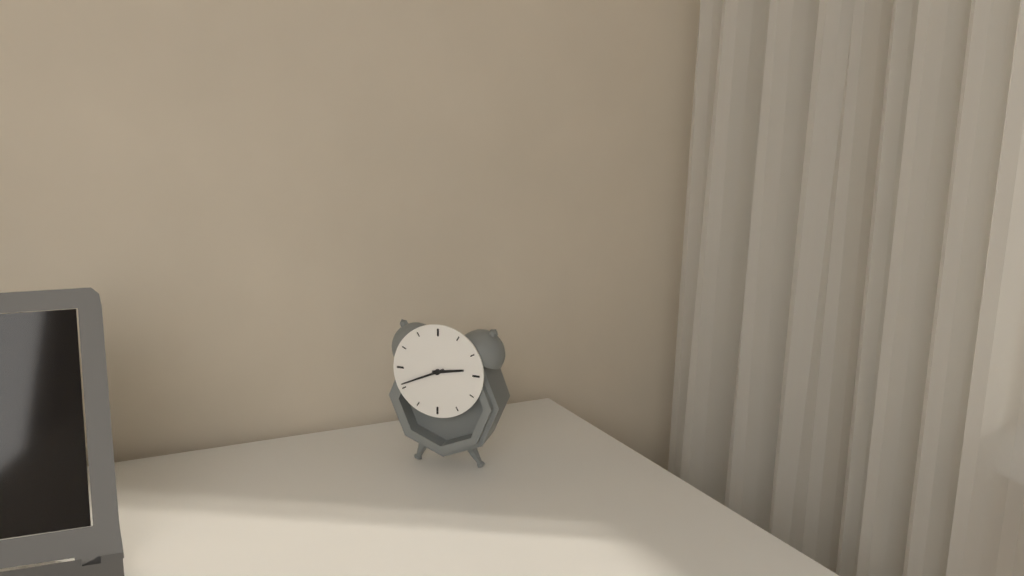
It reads 2h41
